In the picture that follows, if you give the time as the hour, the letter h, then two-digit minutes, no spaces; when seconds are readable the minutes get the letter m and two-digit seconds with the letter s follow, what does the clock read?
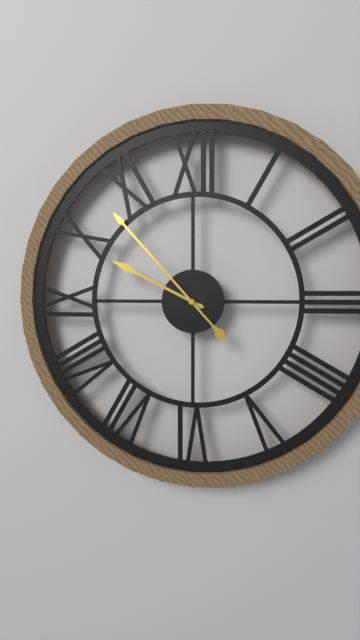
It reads 9h53
